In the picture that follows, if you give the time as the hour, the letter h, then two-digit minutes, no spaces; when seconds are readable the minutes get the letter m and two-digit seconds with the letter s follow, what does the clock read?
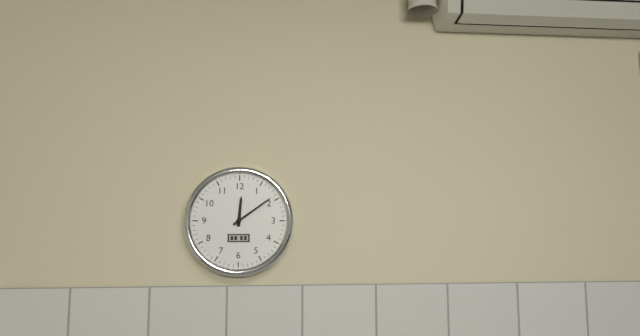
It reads 12h09
